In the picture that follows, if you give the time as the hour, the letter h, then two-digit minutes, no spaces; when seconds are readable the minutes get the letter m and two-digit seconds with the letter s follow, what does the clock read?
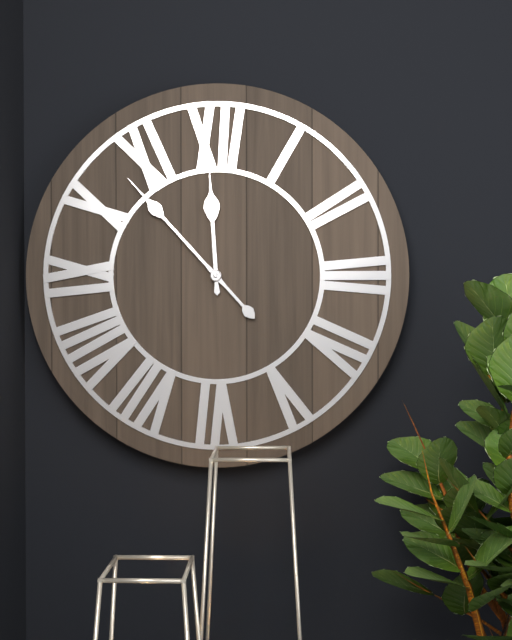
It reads 11h53
